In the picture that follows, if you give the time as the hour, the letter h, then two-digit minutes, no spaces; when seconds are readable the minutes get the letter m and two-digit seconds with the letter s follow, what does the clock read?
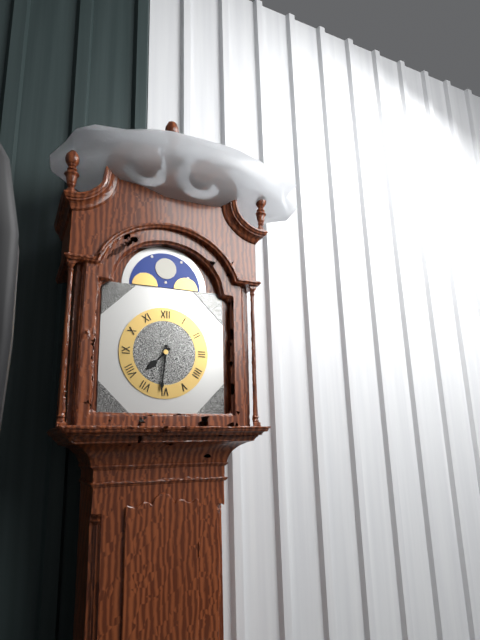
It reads 7h31
